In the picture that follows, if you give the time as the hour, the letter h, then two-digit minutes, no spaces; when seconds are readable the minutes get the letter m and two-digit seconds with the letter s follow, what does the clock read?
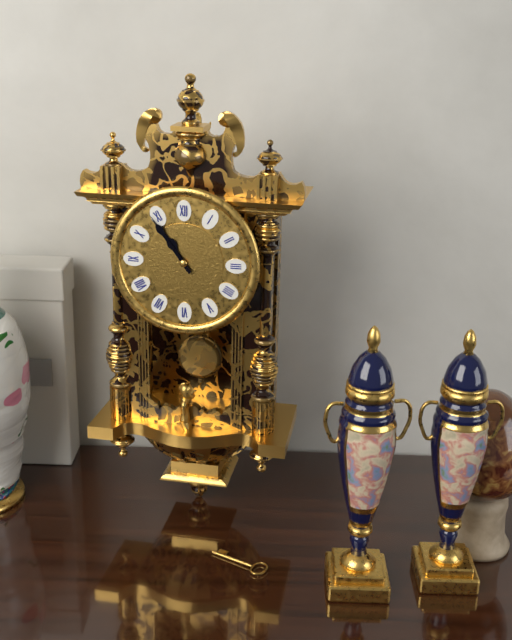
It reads 10h54
